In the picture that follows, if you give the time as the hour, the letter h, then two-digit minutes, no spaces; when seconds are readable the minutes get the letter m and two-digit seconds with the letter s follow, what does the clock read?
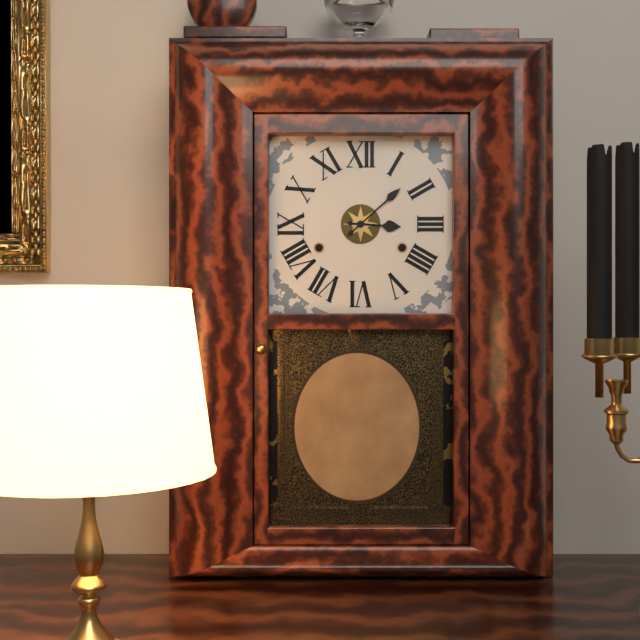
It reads 3h08
